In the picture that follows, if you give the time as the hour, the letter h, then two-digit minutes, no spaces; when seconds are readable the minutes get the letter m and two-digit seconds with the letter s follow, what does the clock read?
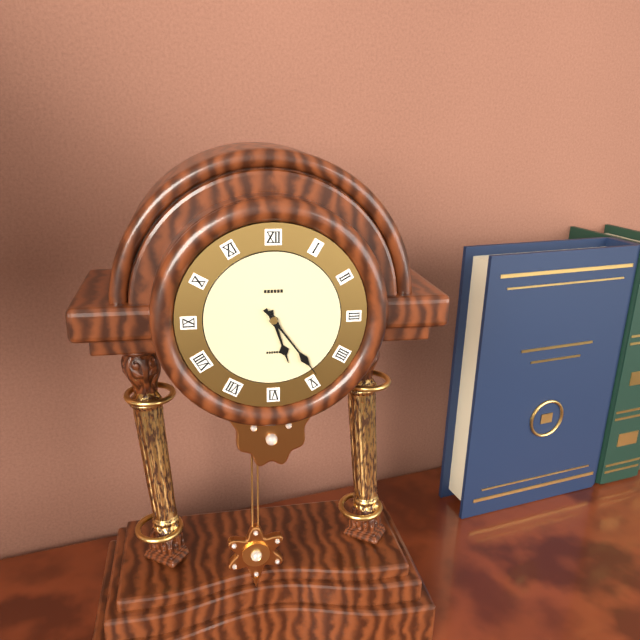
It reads 5h24
